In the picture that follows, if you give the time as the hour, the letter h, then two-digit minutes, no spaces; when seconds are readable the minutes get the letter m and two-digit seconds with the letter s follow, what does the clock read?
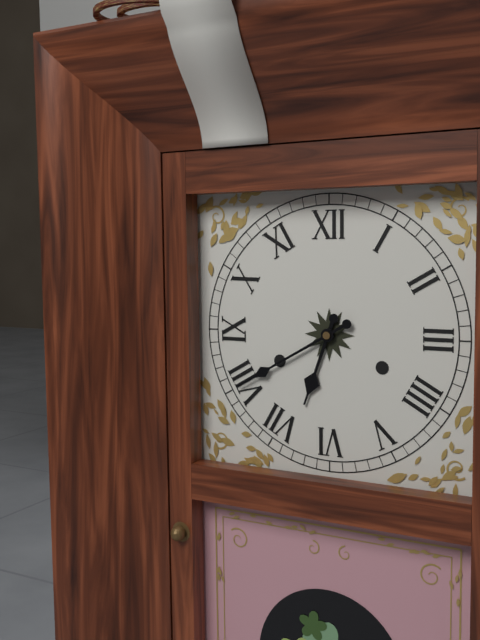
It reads 6h40
